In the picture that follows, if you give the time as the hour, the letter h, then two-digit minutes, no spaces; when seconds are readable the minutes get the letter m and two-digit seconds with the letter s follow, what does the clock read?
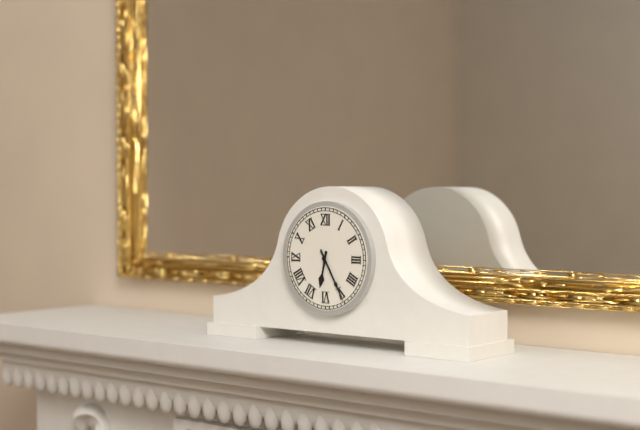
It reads 6h25
